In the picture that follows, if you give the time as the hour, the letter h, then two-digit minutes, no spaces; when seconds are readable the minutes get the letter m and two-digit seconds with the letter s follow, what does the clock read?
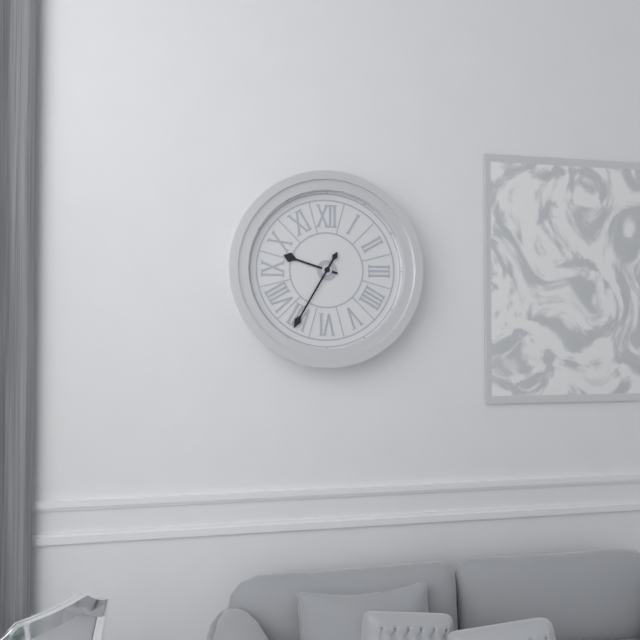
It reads 9h35
